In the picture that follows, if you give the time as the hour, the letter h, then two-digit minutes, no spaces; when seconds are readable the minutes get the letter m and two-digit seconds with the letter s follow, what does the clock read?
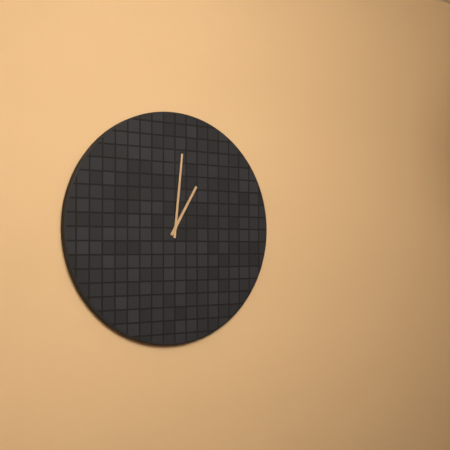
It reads 1h01
